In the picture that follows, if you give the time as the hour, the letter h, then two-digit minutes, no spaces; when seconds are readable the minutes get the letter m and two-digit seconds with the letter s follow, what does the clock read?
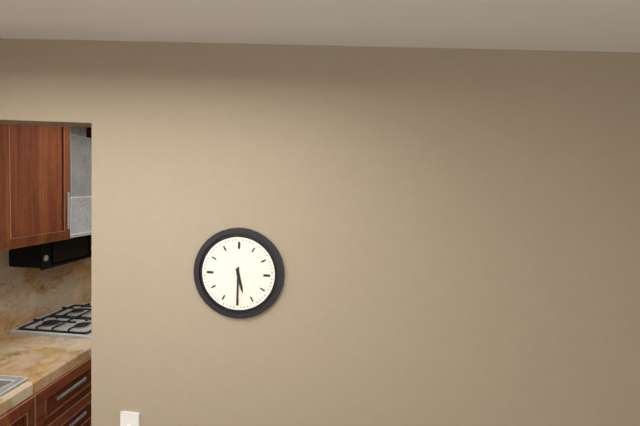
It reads 5h30
